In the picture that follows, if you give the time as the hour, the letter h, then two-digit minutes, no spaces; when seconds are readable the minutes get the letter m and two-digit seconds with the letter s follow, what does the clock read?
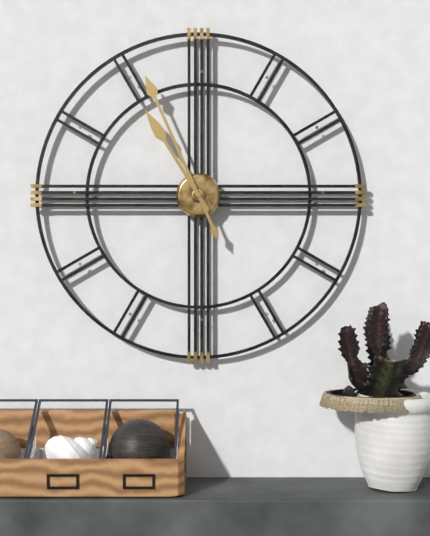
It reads 10h56
